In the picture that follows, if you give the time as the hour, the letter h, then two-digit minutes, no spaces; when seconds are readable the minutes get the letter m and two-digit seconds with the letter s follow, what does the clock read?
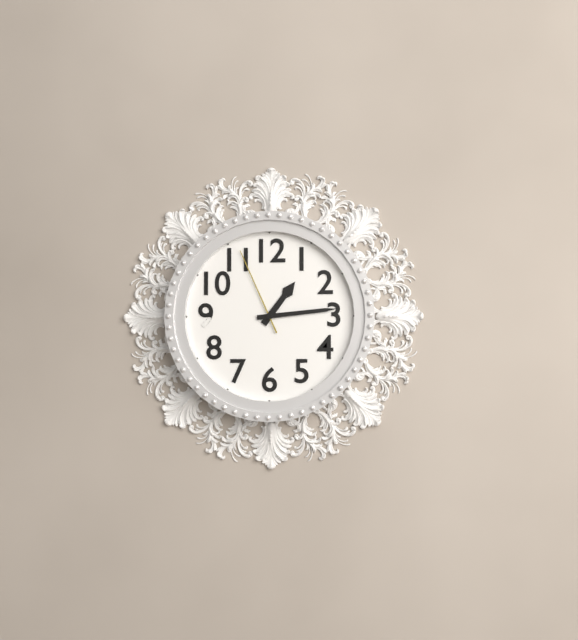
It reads 1h14m56s
